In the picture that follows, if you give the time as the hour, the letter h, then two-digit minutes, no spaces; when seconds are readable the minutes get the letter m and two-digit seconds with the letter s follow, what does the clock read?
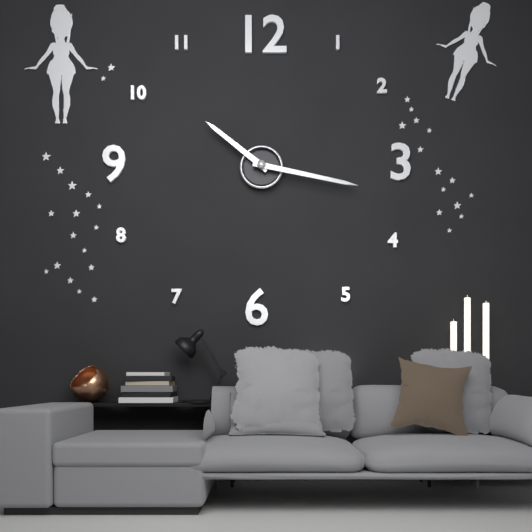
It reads 10h17
